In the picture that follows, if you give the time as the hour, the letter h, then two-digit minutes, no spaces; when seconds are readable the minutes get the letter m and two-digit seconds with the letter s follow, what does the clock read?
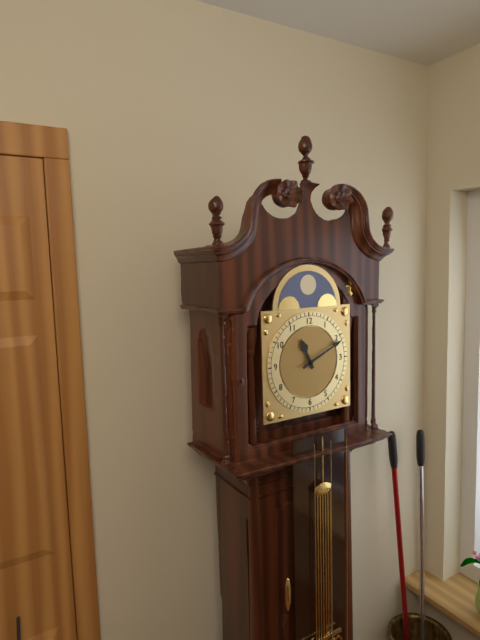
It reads 11h11
